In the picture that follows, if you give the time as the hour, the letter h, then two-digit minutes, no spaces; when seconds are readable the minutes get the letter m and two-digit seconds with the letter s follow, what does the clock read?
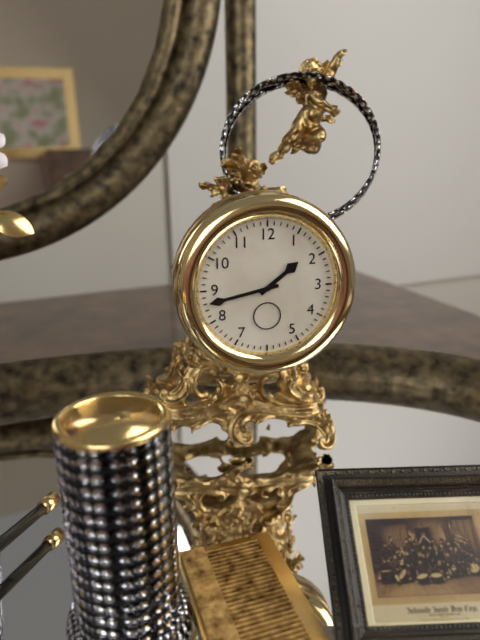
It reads 1h43
